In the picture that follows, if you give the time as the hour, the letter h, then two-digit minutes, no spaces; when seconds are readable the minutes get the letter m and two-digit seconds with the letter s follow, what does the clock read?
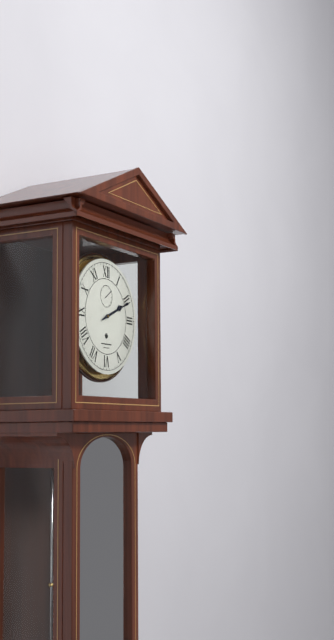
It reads 2h11
